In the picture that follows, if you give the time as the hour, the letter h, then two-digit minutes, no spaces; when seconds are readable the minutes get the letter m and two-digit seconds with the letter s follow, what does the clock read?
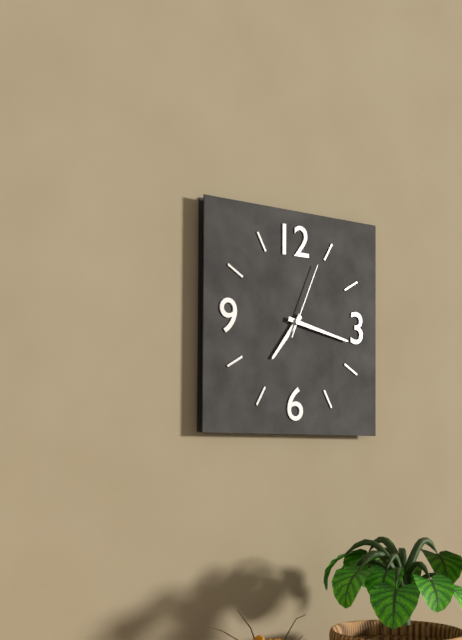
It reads 7h17m04s
